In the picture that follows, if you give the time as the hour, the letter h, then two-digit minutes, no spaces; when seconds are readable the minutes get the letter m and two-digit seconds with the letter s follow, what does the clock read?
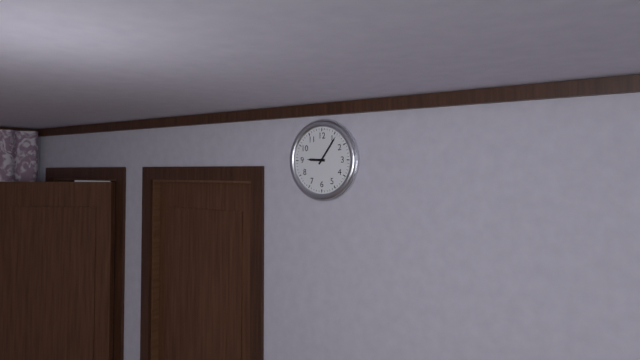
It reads 9h06
